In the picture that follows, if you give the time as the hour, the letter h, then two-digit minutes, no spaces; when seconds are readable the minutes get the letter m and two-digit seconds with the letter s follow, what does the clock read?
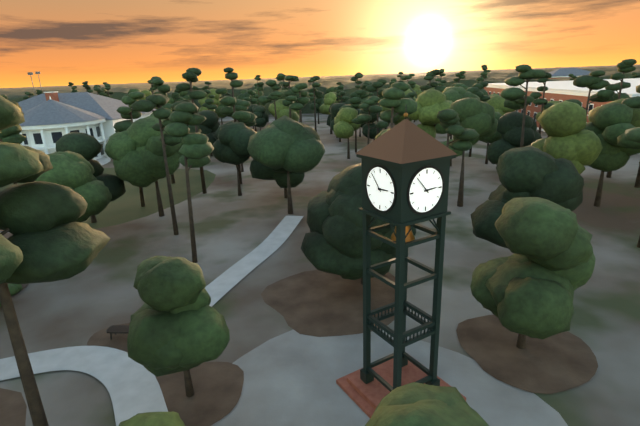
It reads 2h53
